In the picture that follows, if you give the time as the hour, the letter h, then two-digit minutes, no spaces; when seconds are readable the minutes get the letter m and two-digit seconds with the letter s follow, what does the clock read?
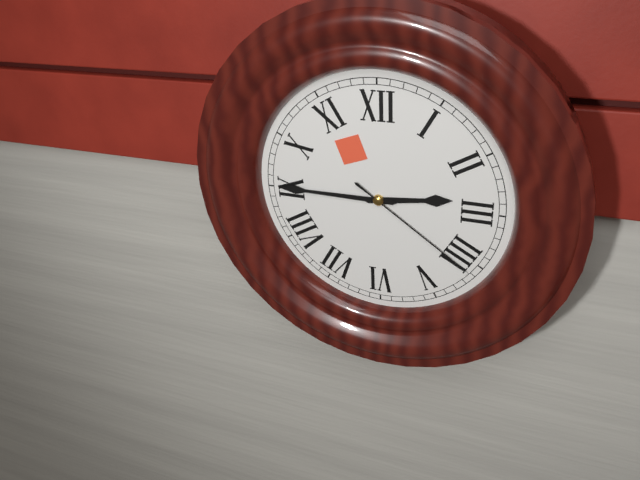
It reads 2h45m21s
